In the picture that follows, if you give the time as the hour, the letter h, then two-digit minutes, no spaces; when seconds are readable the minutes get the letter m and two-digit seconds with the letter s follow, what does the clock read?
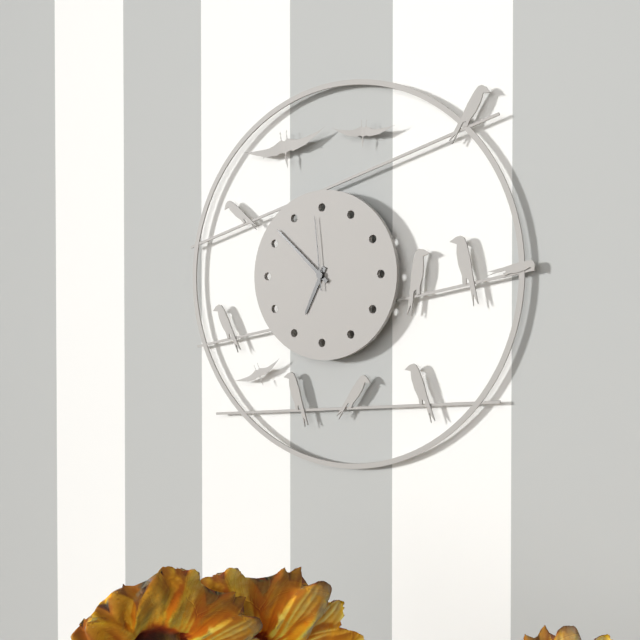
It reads 6h52m59s
